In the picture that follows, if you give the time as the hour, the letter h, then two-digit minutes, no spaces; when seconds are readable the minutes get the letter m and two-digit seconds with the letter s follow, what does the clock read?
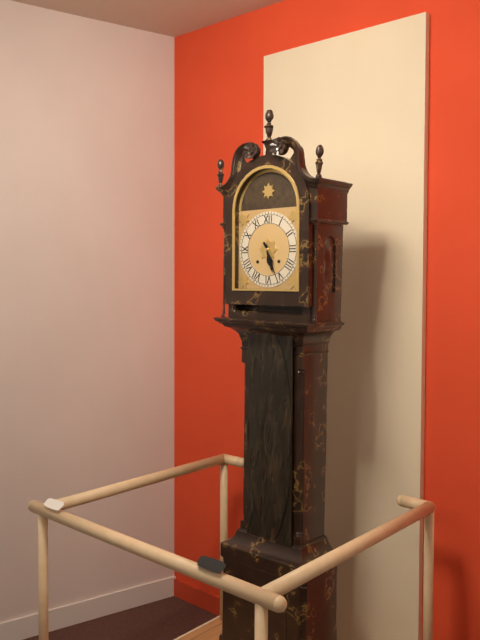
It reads 5h26
